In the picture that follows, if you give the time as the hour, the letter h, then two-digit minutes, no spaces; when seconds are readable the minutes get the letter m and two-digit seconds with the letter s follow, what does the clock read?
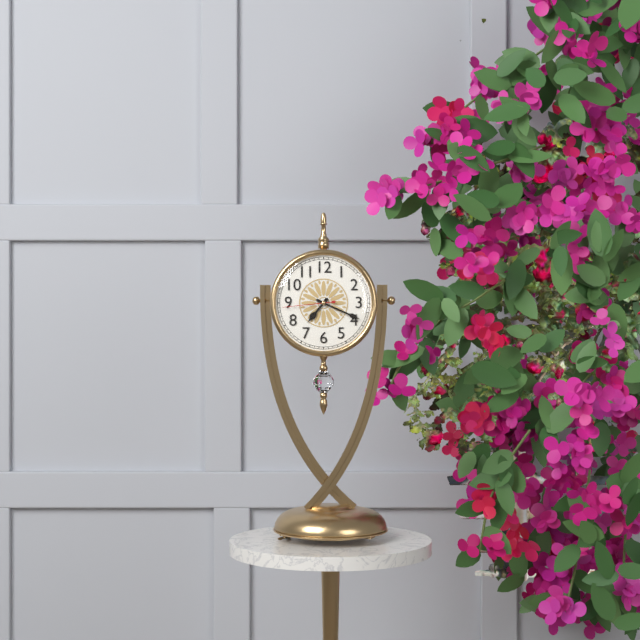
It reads 7h19m44s
